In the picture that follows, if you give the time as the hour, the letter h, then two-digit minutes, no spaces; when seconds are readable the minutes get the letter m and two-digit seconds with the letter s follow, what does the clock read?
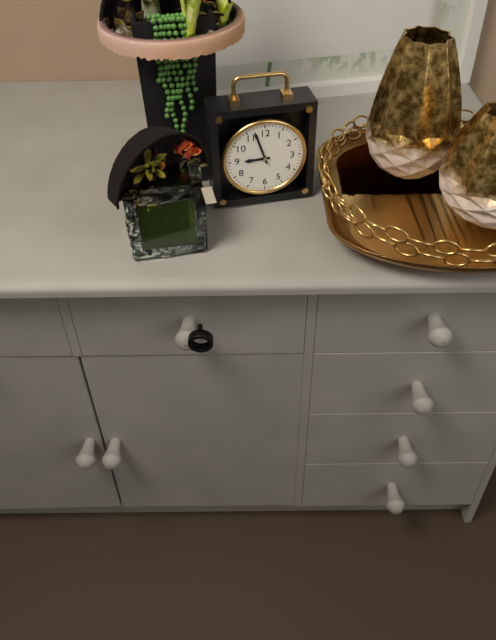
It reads 8h57
